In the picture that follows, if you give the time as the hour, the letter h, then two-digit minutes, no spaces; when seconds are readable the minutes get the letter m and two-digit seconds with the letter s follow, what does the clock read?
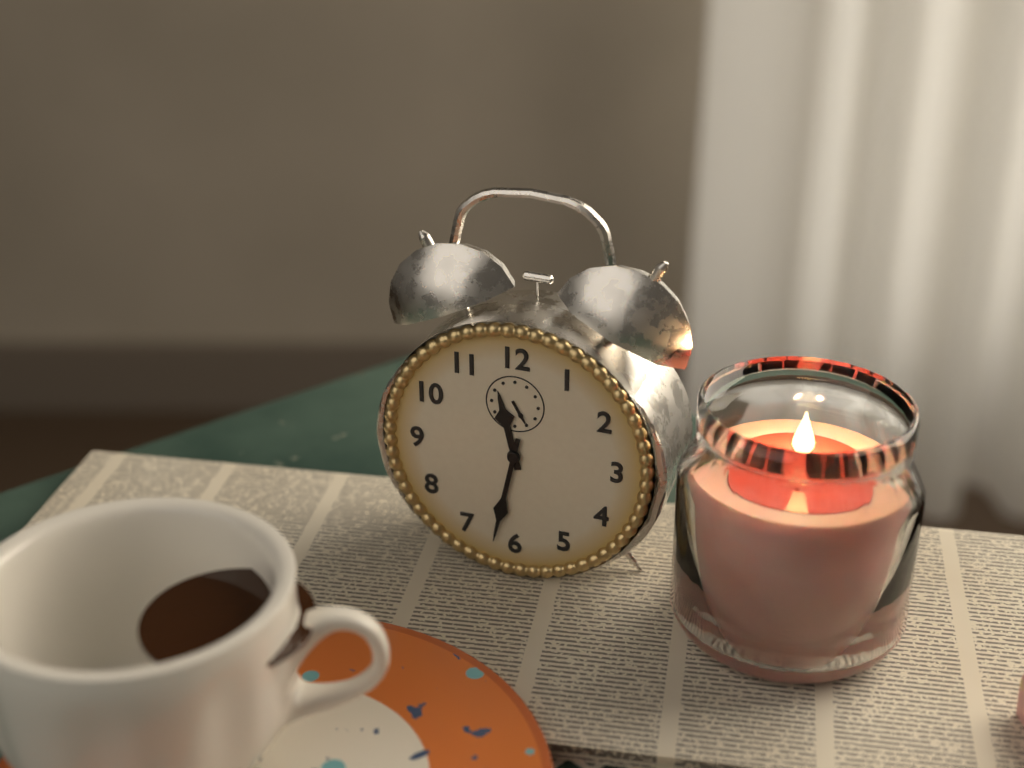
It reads 11h32
